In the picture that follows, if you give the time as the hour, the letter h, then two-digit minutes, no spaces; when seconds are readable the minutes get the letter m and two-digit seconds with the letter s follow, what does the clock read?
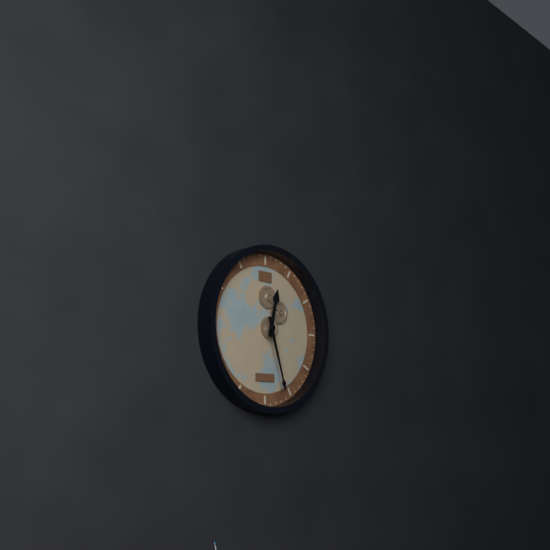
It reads 12h27
